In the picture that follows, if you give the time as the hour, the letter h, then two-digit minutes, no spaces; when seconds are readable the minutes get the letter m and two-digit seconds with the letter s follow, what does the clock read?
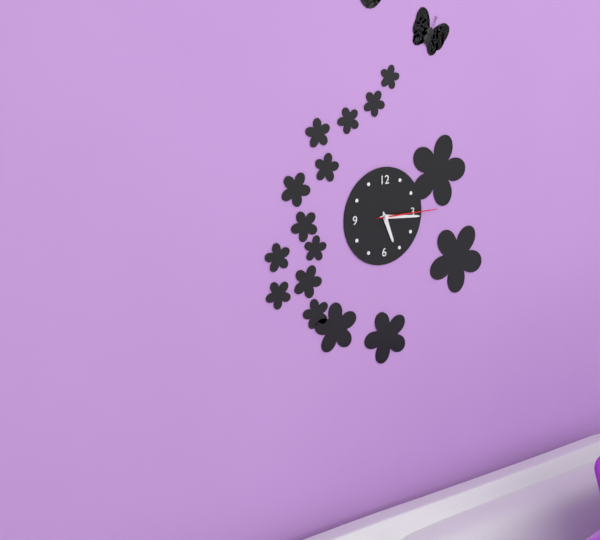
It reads 5h16m15s
